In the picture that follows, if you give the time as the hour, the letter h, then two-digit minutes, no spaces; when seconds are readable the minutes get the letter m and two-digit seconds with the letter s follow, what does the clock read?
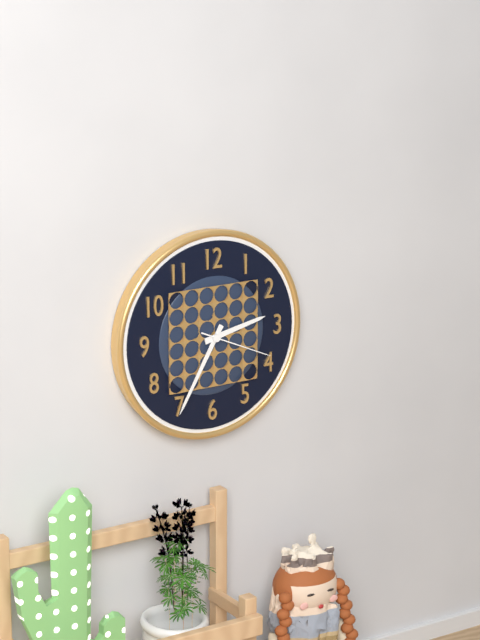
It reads 2h35m19s
